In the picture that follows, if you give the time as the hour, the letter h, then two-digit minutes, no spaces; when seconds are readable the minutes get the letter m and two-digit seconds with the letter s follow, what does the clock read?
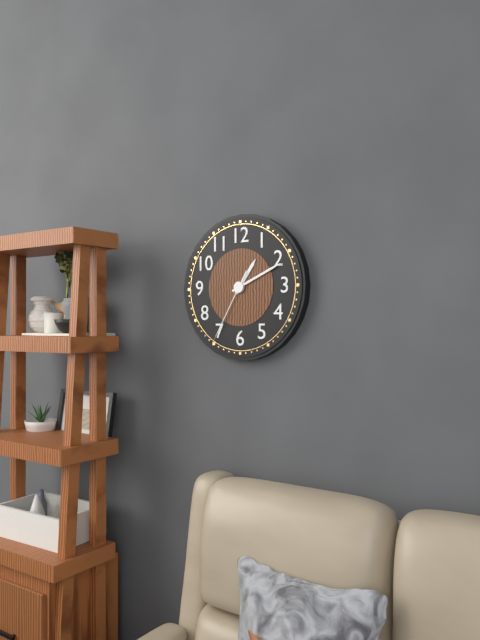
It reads 1h11m35s
